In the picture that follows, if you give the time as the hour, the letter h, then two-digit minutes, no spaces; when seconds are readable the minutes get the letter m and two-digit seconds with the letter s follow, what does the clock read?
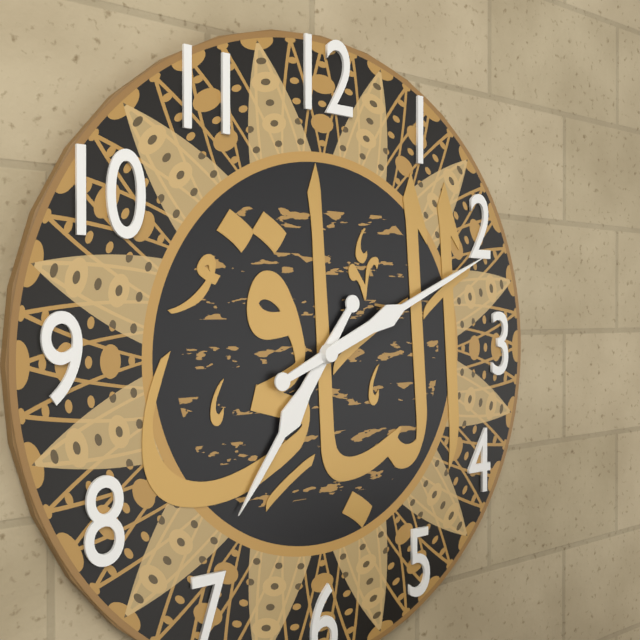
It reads 7h11
